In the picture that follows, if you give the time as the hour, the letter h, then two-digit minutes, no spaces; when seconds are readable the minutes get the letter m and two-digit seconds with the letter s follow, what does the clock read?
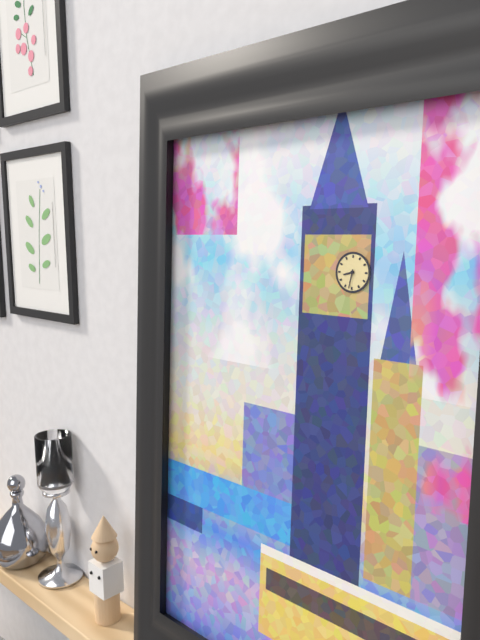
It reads 8h32
